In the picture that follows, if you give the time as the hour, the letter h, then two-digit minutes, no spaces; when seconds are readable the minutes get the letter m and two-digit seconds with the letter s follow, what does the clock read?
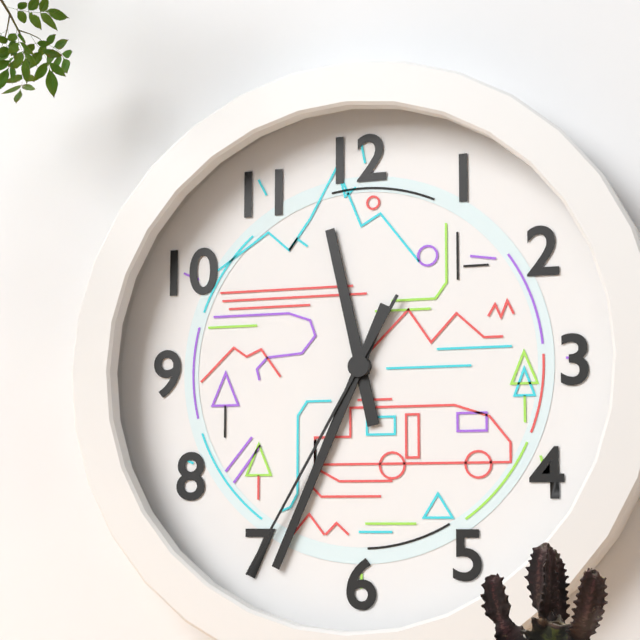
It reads 11h34m35s
